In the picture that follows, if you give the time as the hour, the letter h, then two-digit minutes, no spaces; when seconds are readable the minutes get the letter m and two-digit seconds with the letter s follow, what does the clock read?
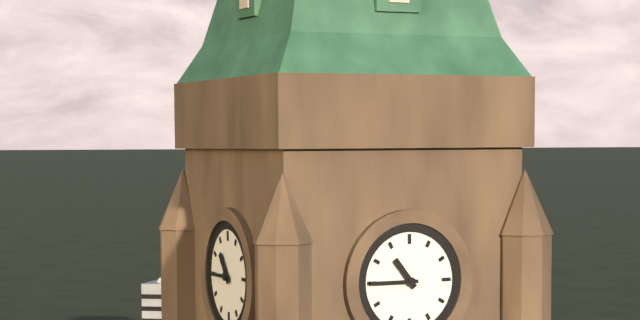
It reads 10h45
